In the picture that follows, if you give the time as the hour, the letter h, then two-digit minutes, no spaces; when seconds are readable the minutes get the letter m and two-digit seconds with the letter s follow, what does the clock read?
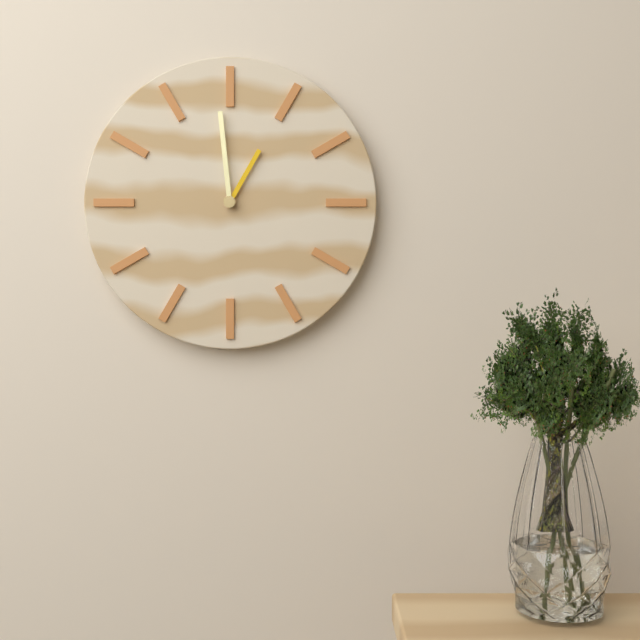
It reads 12h59
